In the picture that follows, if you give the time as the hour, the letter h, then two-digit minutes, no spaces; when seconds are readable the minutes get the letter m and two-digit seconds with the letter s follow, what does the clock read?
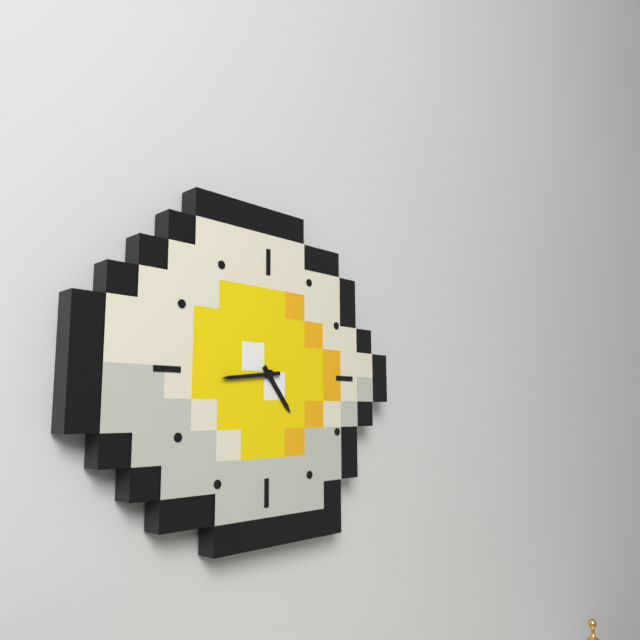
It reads 4h44
